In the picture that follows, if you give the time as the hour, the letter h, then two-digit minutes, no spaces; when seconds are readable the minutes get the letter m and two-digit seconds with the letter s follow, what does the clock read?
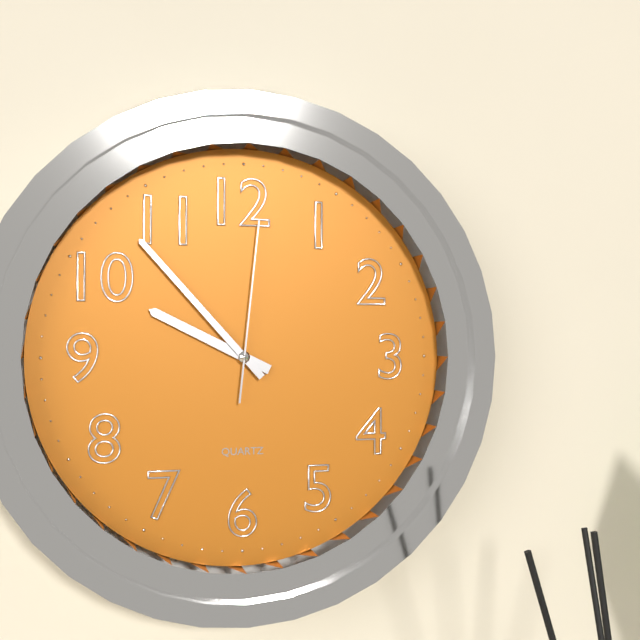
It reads 9h53m01s
